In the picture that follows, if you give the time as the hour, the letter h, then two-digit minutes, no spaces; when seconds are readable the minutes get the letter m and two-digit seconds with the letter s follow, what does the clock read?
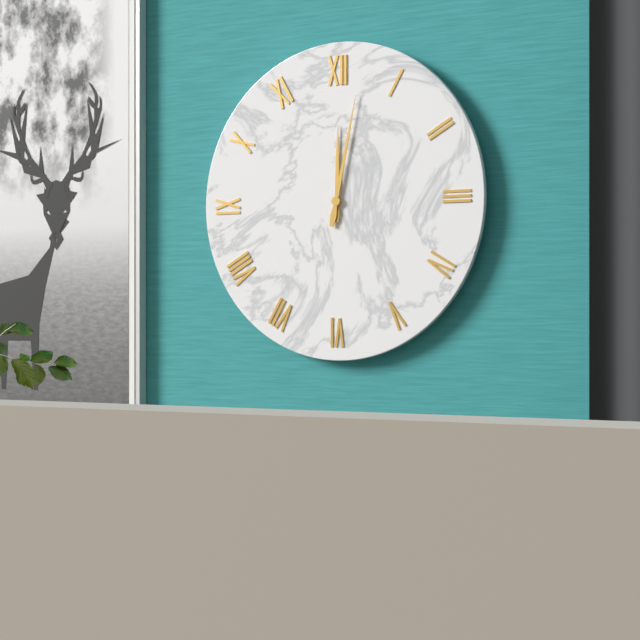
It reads 12h02
